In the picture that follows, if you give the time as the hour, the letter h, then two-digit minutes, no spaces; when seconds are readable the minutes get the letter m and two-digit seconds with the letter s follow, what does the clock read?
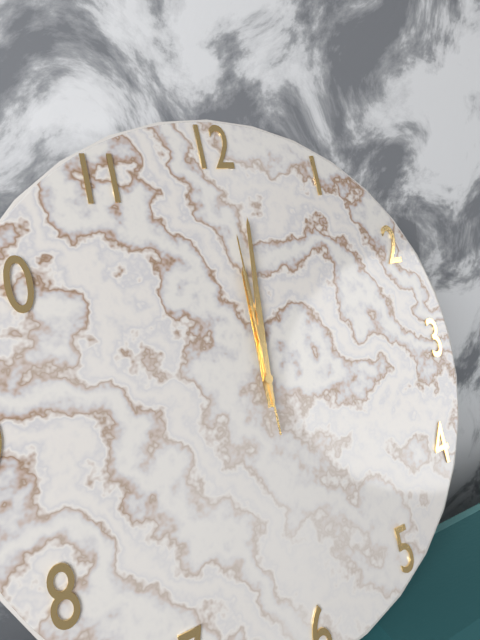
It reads 12h01m00s
